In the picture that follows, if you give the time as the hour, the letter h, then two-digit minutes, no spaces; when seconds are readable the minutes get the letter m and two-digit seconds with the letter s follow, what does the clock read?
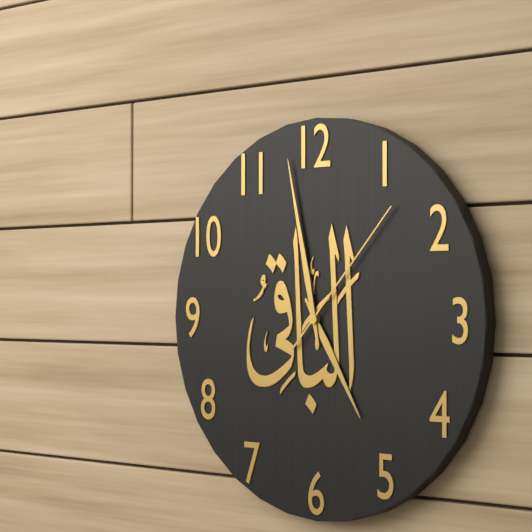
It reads 4h58m07s
